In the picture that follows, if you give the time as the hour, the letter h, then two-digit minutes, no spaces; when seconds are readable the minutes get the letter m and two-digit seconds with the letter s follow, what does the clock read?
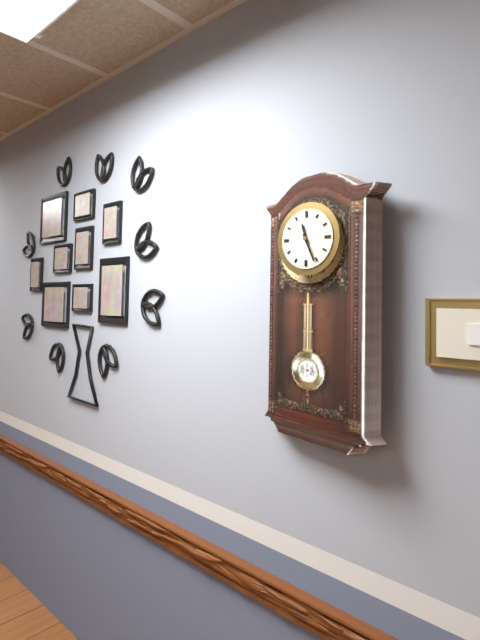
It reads 11h26
